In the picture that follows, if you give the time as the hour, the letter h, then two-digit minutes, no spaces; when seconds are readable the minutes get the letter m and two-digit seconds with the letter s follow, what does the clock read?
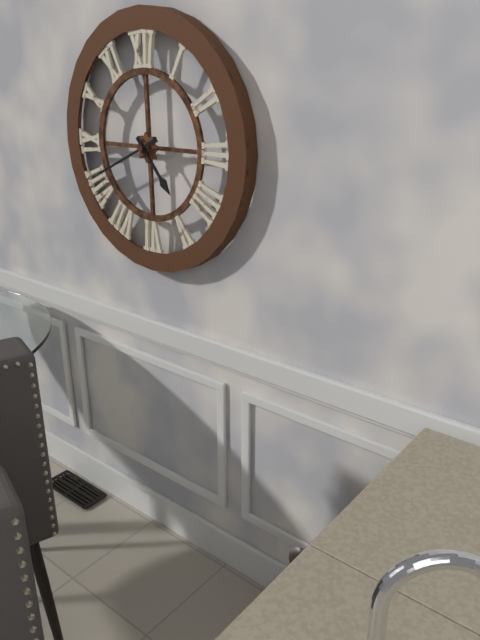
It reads 4h41
